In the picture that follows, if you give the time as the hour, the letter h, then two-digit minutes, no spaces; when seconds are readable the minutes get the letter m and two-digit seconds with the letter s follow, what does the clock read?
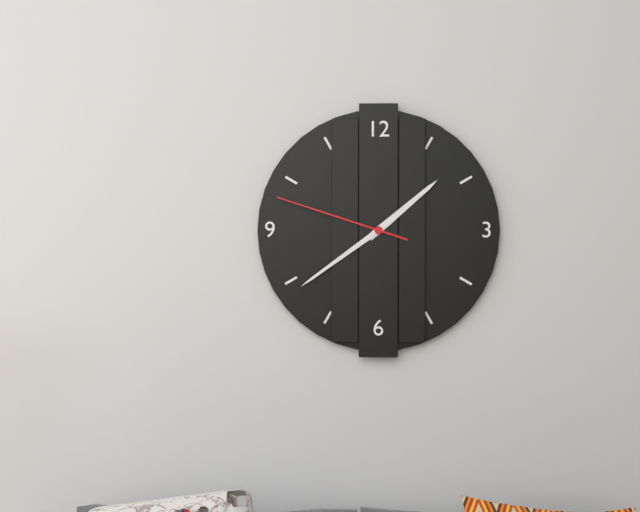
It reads 1h39m48s
